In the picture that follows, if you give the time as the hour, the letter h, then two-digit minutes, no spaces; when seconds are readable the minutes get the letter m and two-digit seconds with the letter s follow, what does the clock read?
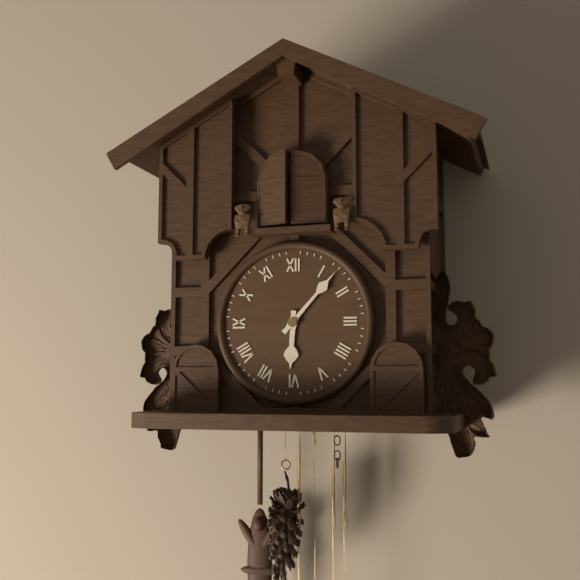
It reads 6h07
